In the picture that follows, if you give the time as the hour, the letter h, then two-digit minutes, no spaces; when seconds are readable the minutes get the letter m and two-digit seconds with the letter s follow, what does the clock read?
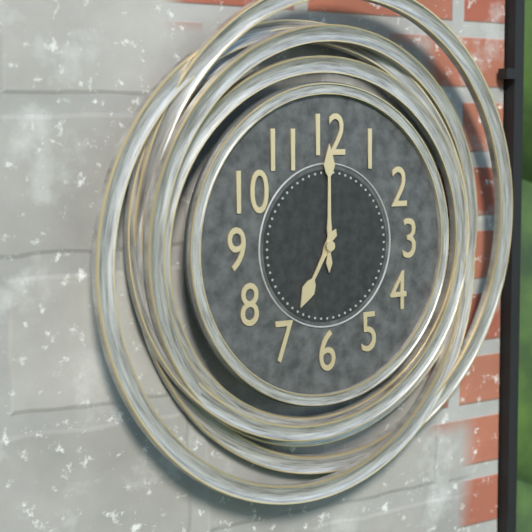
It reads 7h00
